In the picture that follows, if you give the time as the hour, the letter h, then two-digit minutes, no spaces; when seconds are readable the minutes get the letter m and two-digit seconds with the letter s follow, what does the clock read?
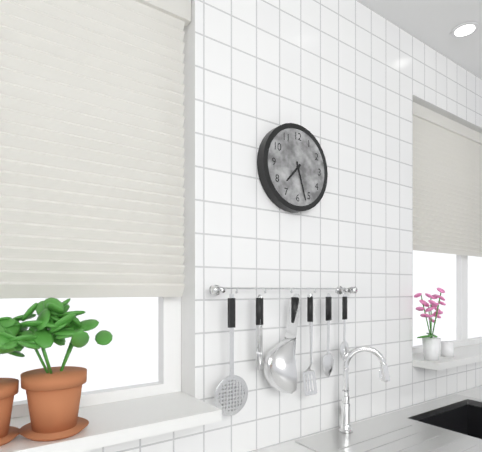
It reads 7h27
